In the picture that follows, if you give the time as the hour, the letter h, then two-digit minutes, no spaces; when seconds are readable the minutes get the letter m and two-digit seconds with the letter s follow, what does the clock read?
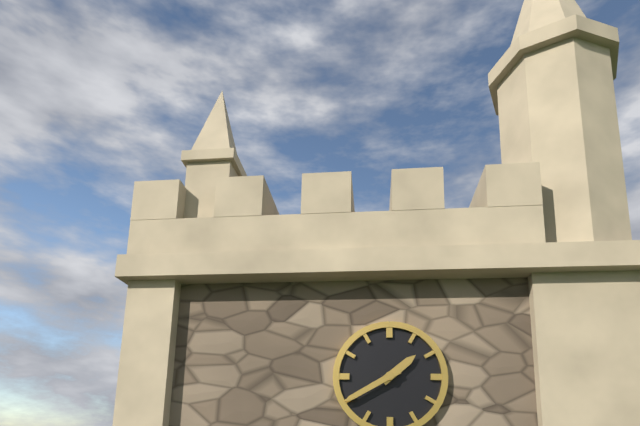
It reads 1h40
